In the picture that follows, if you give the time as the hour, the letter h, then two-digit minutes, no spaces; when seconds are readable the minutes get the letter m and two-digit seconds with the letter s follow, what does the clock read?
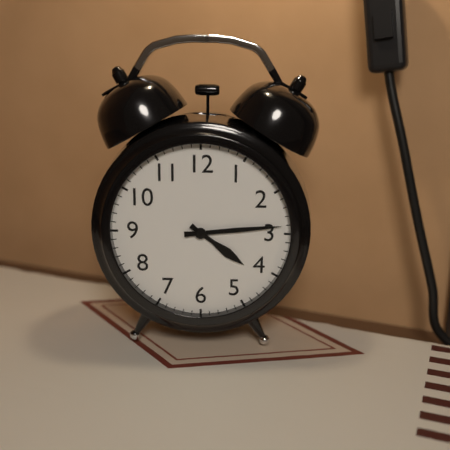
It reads 4h14
